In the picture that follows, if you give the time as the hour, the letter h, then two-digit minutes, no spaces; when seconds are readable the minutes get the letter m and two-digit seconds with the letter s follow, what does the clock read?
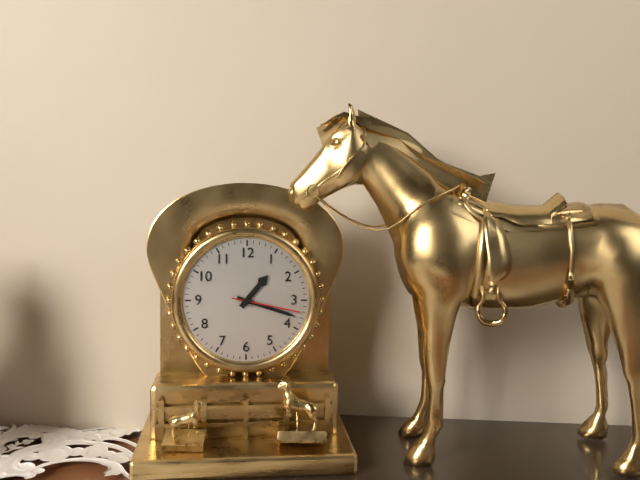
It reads 1h18m17s
